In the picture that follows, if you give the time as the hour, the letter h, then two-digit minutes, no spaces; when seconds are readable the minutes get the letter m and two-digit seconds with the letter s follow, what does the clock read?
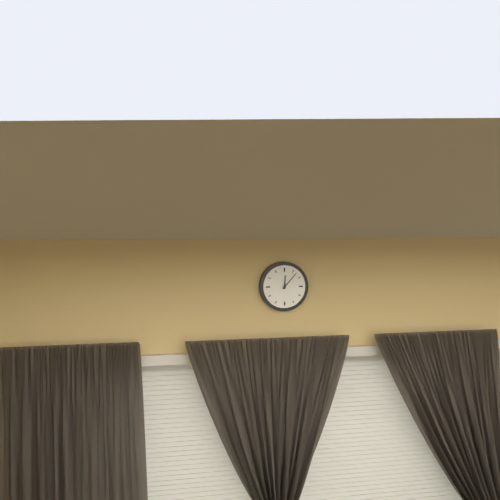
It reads 12h07
